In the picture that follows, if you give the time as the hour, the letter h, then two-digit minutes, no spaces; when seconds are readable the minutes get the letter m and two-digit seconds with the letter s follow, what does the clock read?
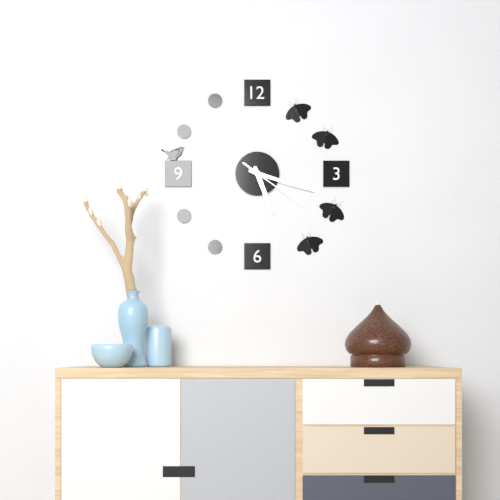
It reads 5h18m21s
